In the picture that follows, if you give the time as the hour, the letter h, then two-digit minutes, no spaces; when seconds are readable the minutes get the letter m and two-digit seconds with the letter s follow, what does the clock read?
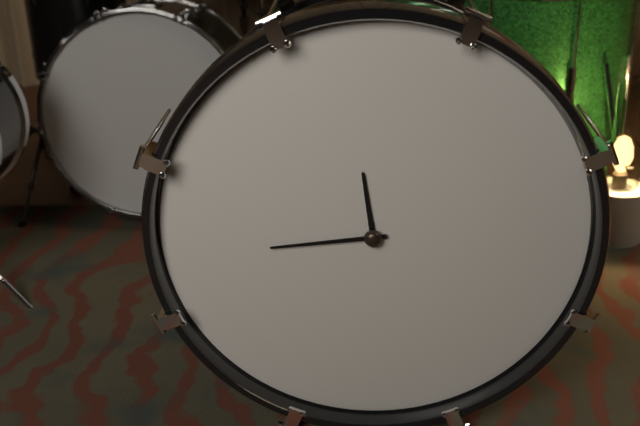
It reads 11h44
